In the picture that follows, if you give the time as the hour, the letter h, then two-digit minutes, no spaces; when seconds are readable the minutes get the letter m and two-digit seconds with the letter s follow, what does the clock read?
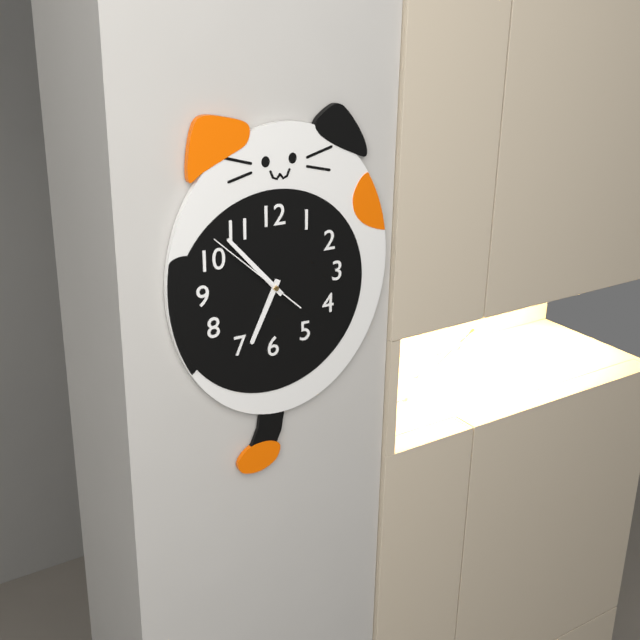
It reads 6h53m52s
